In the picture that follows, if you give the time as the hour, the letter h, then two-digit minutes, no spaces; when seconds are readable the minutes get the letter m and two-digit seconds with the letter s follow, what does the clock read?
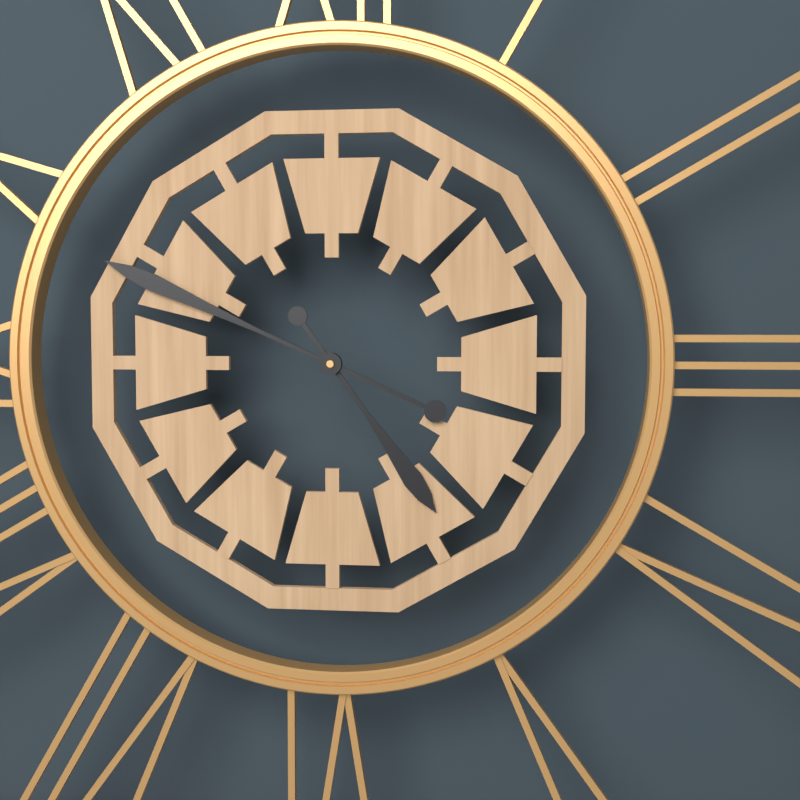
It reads 4h49
